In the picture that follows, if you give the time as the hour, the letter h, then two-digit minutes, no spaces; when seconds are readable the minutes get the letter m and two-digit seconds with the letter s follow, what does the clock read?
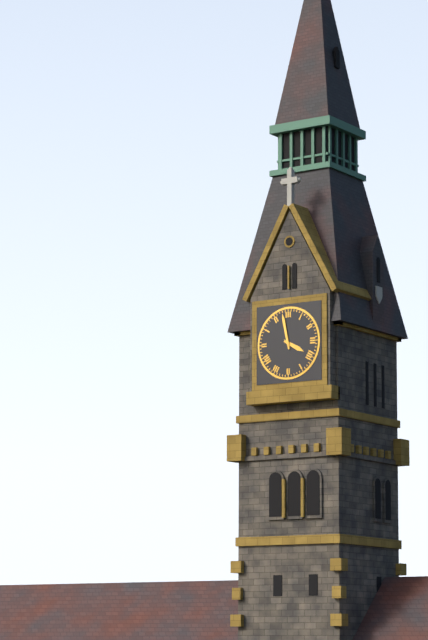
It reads 3h58
